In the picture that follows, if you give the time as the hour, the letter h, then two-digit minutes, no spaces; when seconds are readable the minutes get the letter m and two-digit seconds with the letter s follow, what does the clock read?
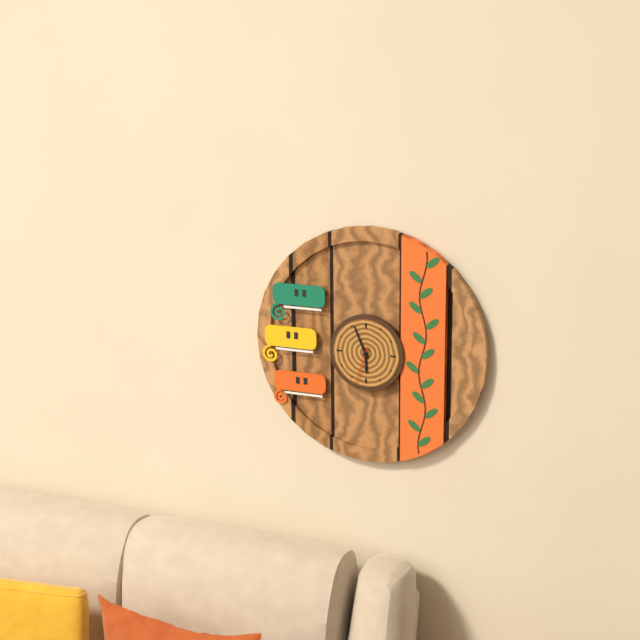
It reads 5h56
